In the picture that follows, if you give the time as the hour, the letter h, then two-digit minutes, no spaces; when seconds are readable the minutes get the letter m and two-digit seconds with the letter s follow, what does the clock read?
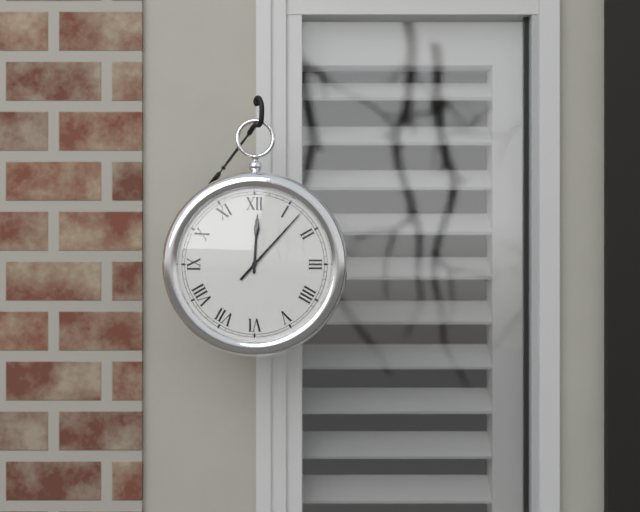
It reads 12h07
